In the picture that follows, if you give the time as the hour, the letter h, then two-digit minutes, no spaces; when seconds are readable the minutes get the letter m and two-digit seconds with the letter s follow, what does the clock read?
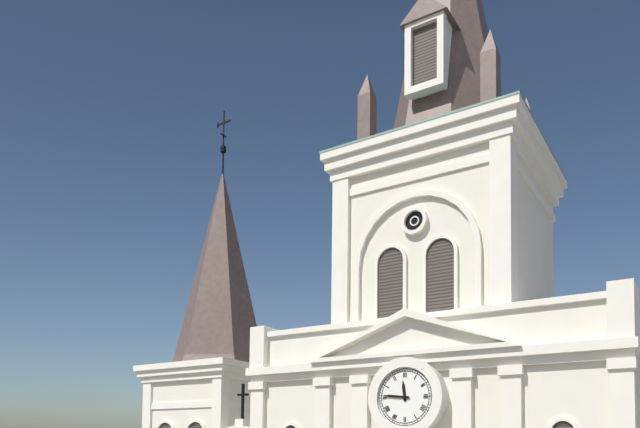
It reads 11h46
